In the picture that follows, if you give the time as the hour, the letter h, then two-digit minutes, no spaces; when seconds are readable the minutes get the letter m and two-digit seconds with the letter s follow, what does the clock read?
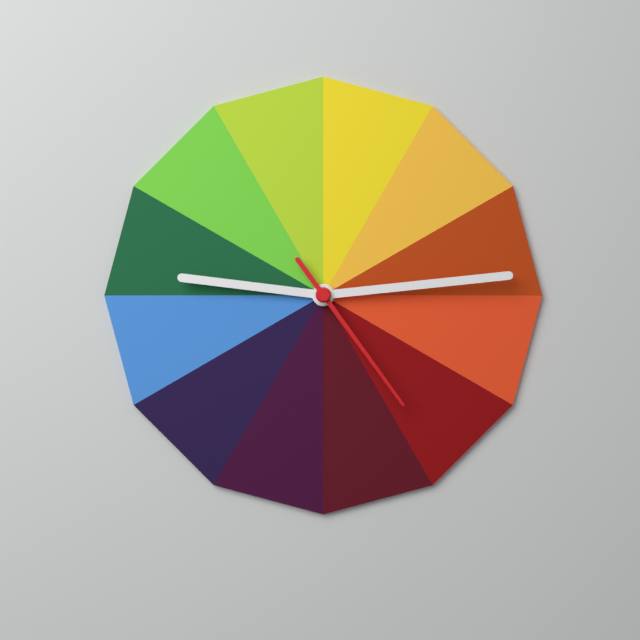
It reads 9h14m24s
